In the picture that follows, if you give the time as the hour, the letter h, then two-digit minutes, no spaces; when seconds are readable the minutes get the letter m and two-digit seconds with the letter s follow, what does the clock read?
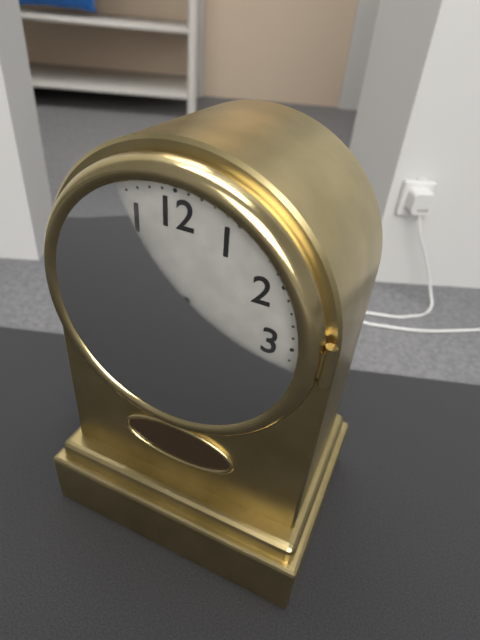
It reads 4h36
